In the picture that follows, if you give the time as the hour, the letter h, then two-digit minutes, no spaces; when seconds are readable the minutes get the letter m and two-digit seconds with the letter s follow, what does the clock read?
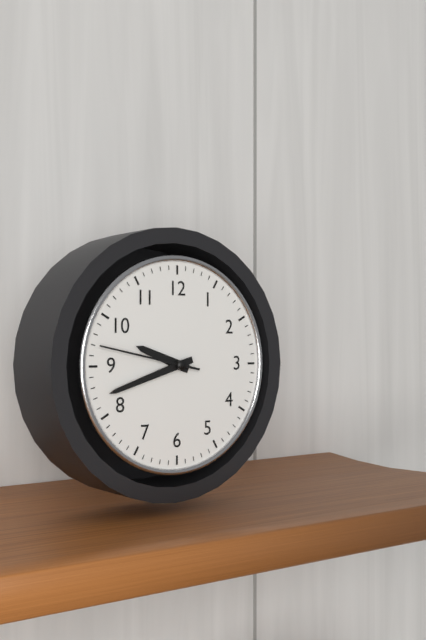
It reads 9h42m47s
